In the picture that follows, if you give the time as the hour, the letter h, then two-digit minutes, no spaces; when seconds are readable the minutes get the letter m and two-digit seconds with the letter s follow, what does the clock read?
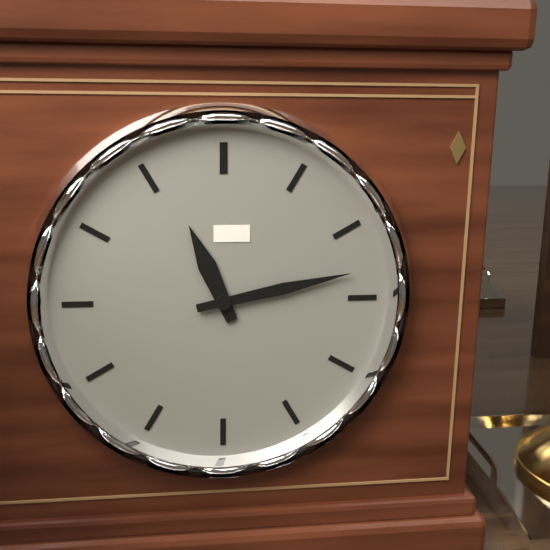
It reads 11h13
